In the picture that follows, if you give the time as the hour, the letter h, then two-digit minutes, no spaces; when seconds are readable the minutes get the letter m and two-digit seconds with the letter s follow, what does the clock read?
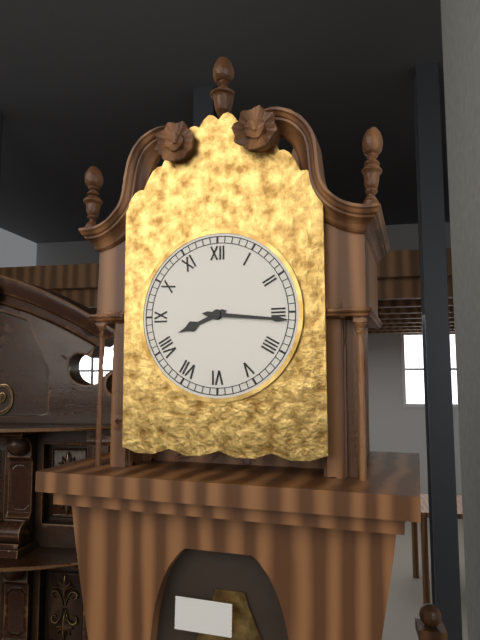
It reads 8h16
